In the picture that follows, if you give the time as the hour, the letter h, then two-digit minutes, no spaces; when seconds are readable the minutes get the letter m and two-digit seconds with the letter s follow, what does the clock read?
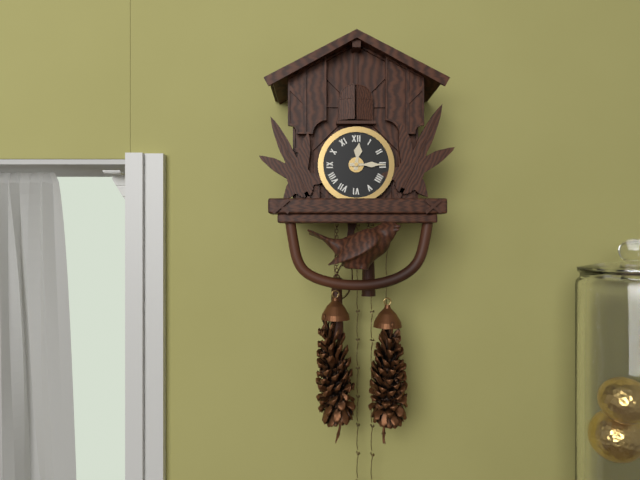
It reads 12h15
